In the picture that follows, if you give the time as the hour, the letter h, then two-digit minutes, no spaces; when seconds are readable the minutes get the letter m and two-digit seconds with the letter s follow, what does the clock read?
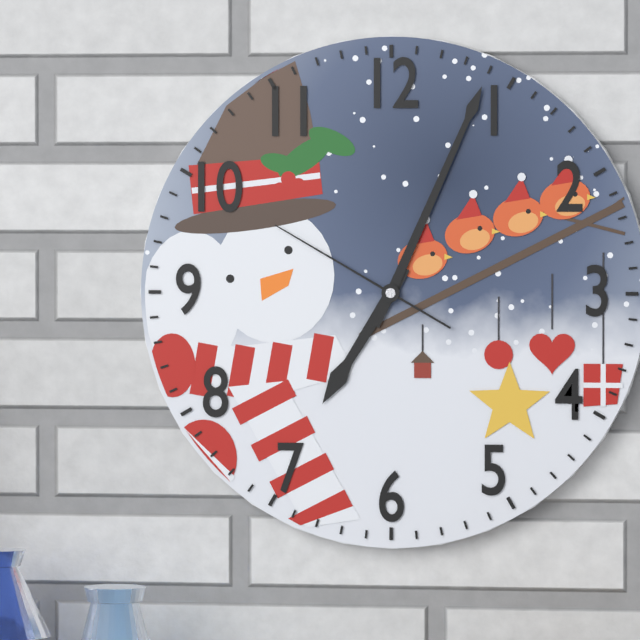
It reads 7h04m50s
